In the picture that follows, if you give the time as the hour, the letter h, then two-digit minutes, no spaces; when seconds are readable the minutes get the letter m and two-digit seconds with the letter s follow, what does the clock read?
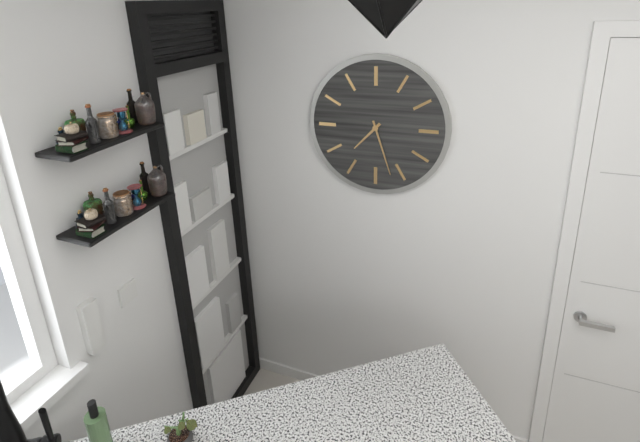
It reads 7h27
